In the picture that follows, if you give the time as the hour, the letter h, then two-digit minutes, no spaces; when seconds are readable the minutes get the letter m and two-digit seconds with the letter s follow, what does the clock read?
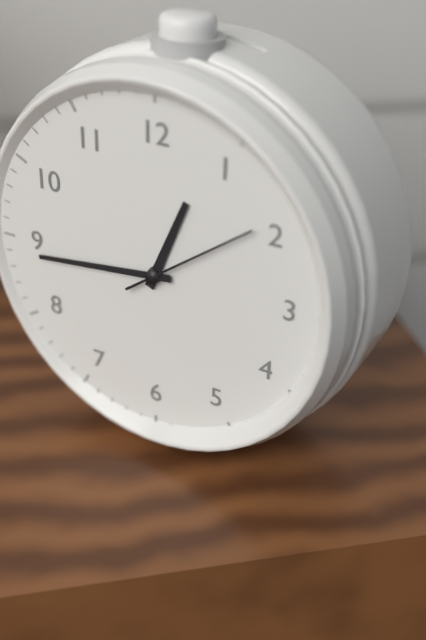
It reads 12h44m09s
